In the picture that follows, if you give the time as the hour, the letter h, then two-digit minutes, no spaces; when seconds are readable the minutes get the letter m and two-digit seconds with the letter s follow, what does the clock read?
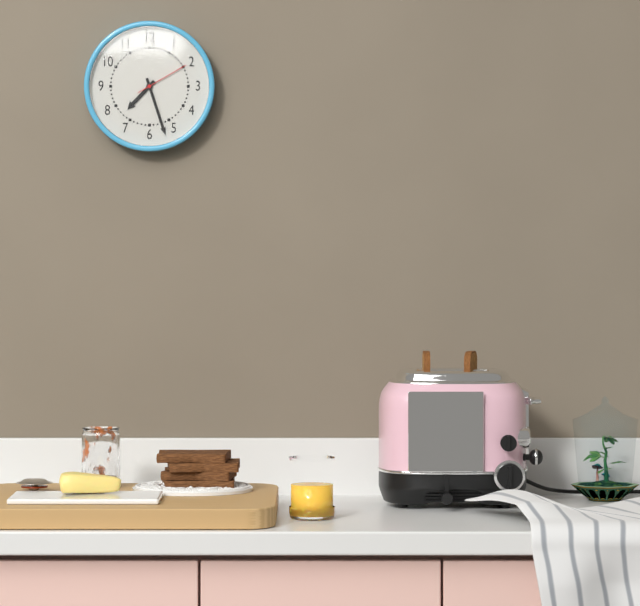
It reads 7h27m10s
